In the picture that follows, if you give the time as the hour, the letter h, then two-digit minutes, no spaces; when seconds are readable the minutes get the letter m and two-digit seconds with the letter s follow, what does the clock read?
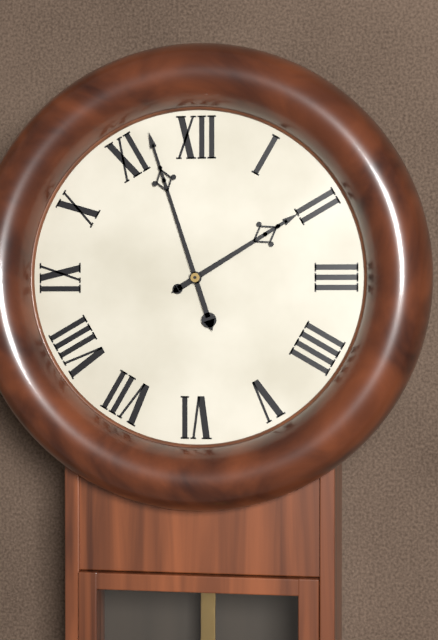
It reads 1h57
